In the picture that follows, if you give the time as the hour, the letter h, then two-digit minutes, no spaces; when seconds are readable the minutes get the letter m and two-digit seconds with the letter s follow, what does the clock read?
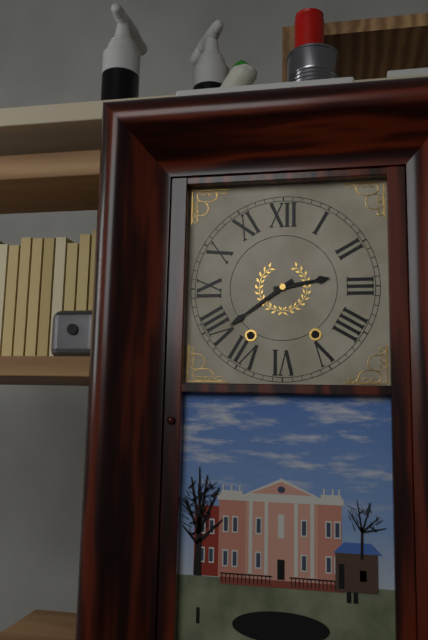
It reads 2h39
